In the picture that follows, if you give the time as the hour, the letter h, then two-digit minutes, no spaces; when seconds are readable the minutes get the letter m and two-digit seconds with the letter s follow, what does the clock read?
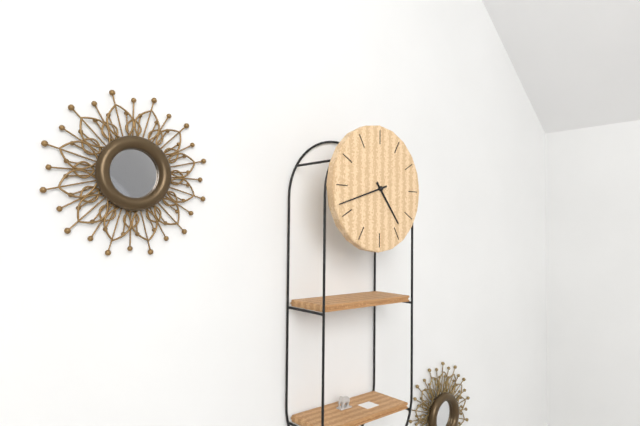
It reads 4h42
